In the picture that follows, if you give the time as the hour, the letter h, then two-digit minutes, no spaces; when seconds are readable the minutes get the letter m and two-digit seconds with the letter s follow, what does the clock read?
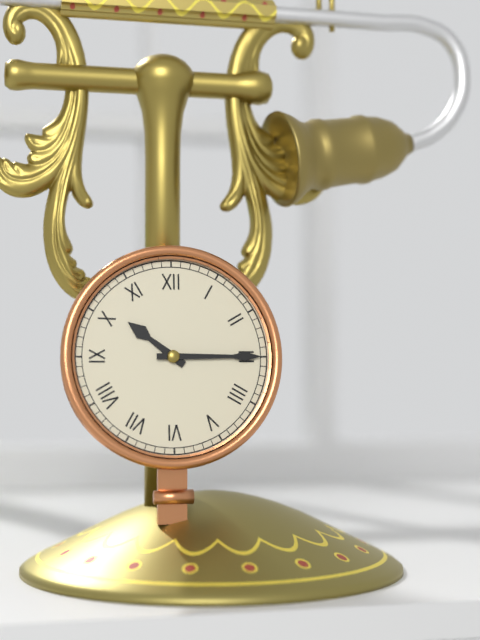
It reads 10h15
